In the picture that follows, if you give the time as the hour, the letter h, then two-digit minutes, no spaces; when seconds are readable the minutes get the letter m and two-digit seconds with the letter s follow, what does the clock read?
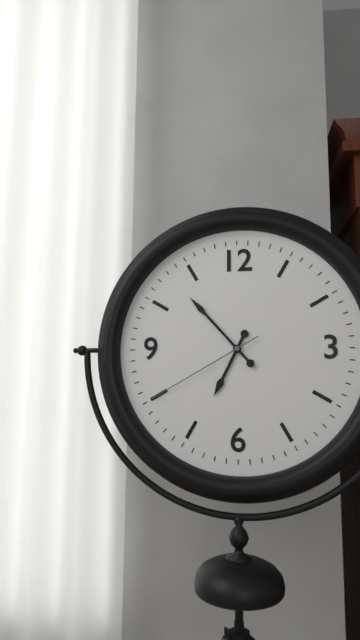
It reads 6h53m40s
